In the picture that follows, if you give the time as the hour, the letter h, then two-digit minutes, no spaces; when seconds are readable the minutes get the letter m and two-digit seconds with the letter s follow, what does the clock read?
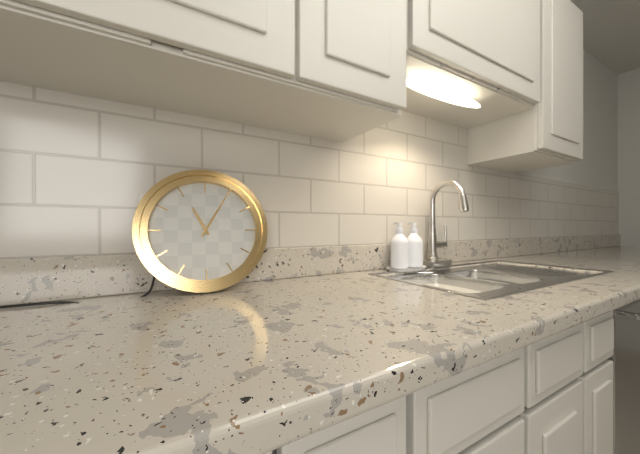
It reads 11h05
